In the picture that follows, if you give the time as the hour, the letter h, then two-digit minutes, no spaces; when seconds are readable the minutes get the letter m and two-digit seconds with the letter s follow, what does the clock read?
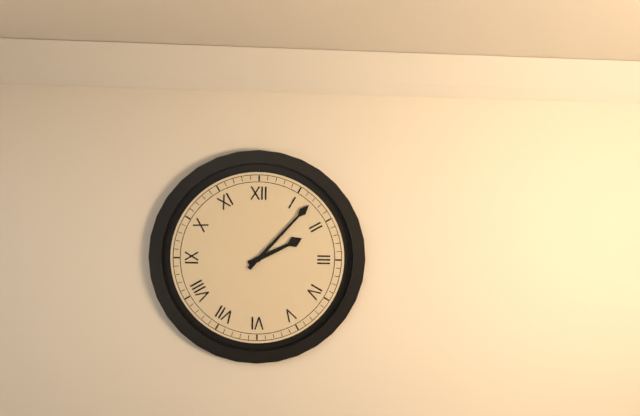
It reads 2h07
